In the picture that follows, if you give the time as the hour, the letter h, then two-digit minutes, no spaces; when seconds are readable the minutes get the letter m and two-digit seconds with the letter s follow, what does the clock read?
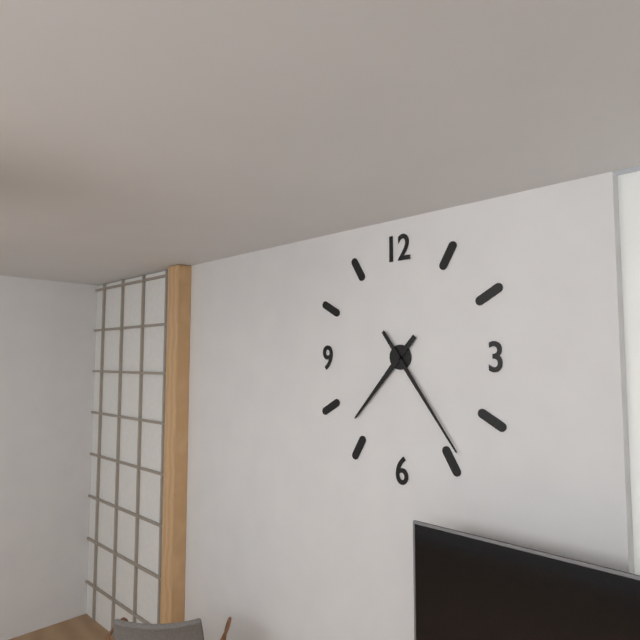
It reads 7h24
